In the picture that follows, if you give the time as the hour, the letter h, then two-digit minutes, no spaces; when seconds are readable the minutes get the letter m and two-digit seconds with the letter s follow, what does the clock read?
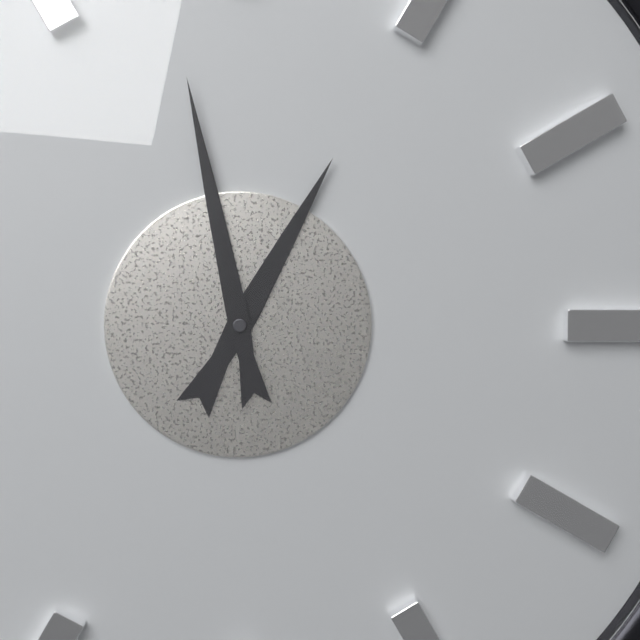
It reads 12h58
